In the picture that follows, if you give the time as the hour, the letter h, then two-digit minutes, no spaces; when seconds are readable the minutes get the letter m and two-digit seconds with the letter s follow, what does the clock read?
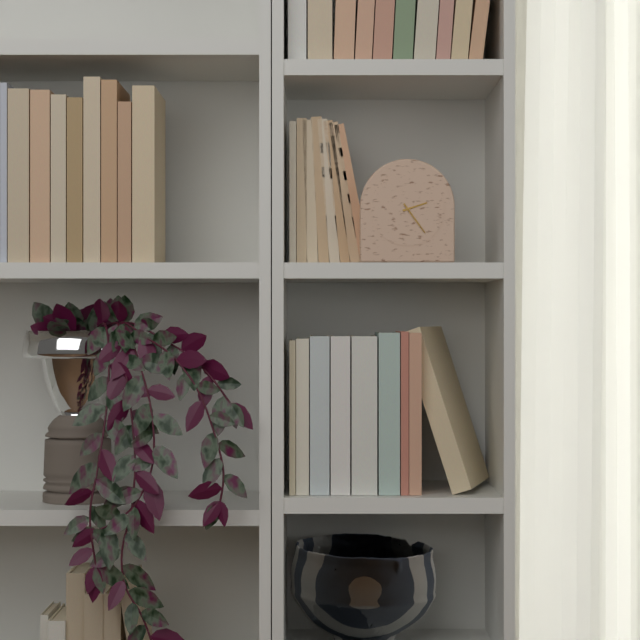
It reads 2h24
